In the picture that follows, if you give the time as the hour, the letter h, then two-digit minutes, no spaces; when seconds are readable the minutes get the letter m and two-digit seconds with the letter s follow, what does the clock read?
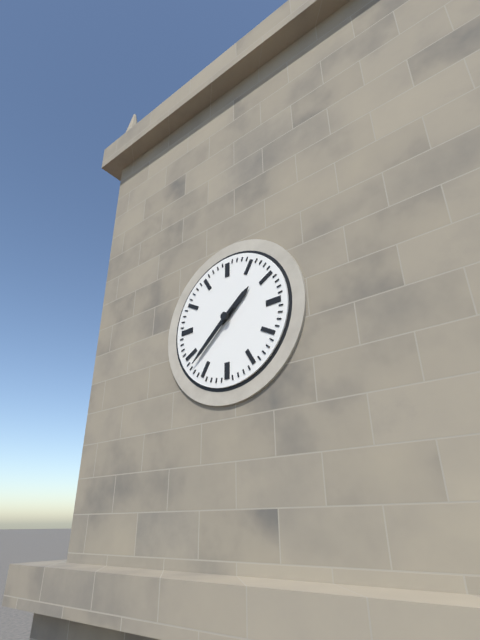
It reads 1h38
